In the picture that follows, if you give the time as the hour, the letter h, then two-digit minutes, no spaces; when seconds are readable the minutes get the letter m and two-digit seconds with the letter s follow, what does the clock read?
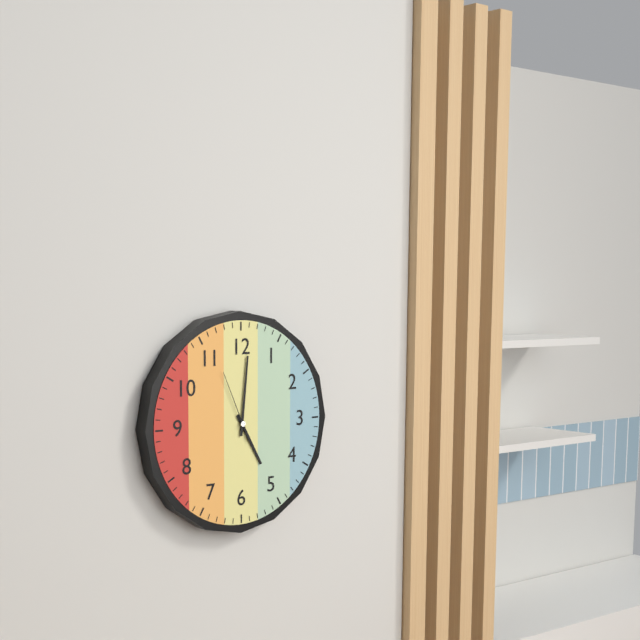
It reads 5h01m56s
